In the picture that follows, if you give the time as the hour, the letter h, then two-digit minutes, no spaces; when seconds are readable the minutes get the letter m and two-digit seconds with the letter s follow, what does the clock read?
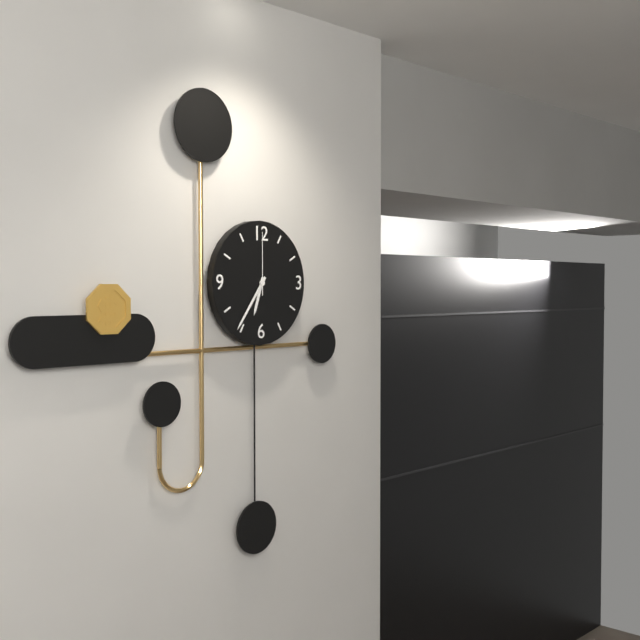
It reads 6h36m00s
